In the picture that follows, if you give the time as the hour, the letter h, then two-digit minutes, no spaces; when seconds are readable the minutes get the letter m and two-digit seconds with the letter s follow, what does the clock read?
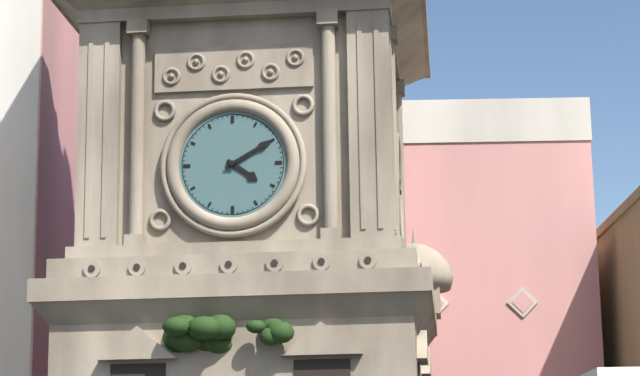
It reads 4h10
